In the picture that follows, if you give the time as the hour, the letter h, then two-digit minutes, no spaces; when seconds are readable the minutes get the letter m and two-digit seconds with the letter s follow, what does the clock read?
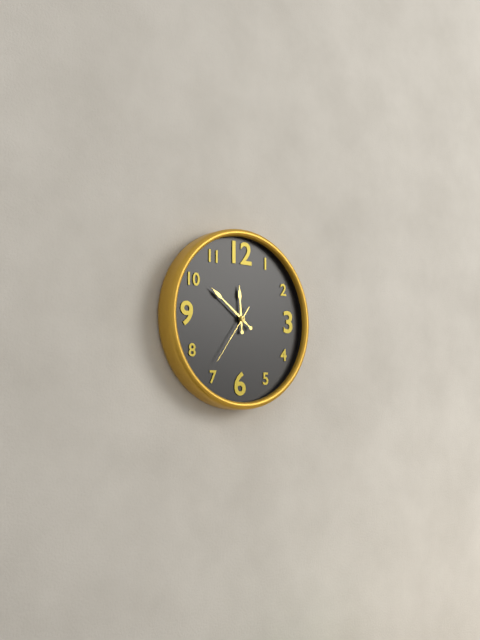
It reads 11h51m36s
